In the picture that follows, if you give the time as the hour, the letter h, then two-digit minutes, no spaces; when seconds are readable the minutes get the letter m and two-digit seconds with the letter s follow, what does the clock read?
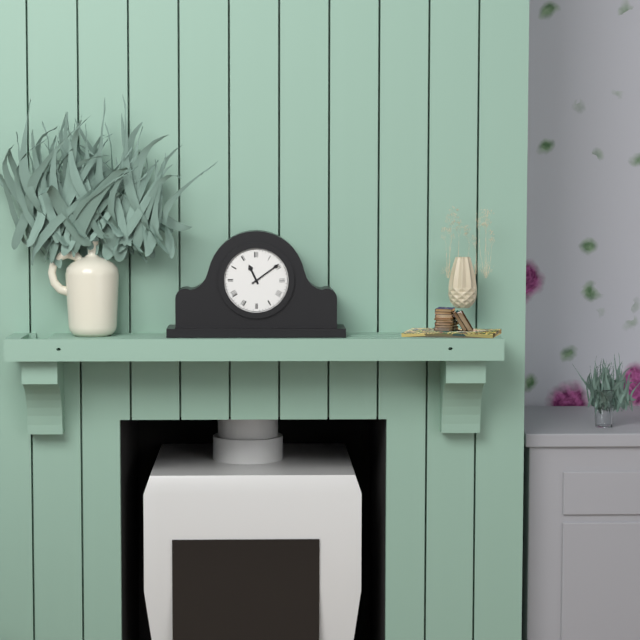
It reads 11h09
